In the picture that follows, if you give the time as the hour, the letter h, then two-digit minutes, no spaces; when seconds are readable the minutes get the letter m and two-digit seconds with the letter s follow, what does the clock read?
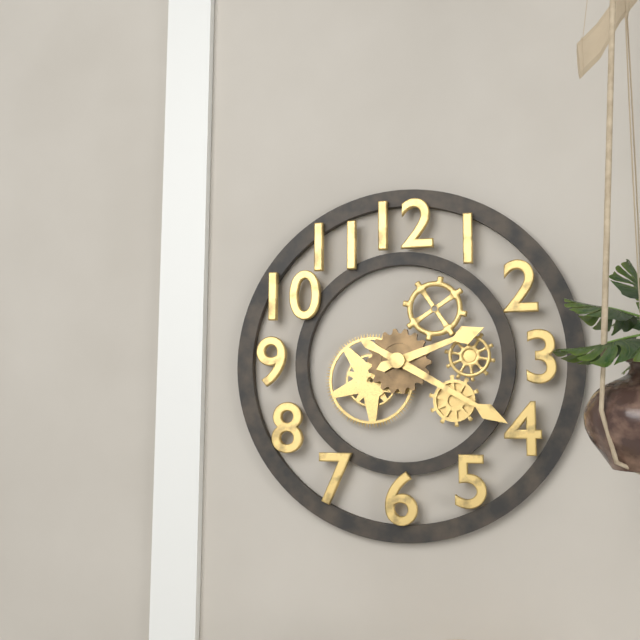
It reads 2h20
